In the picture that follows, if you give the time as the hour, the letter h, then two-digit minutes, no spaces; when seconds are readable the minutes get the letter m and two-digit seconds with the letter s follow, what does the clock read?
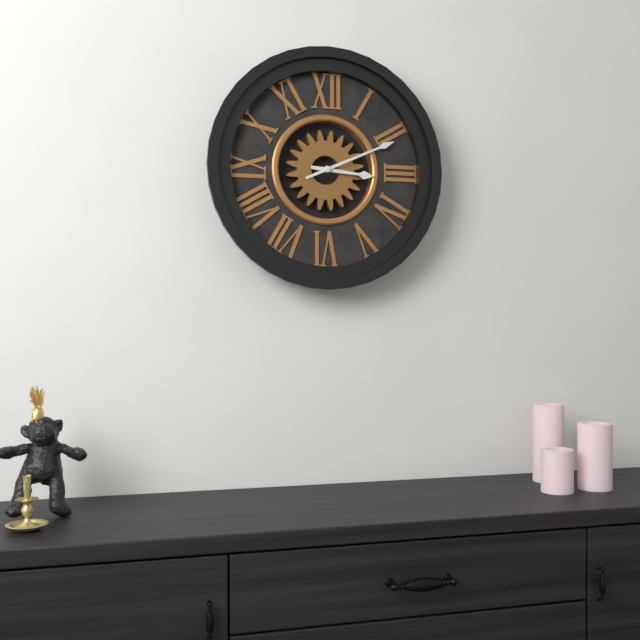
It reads 3h11
